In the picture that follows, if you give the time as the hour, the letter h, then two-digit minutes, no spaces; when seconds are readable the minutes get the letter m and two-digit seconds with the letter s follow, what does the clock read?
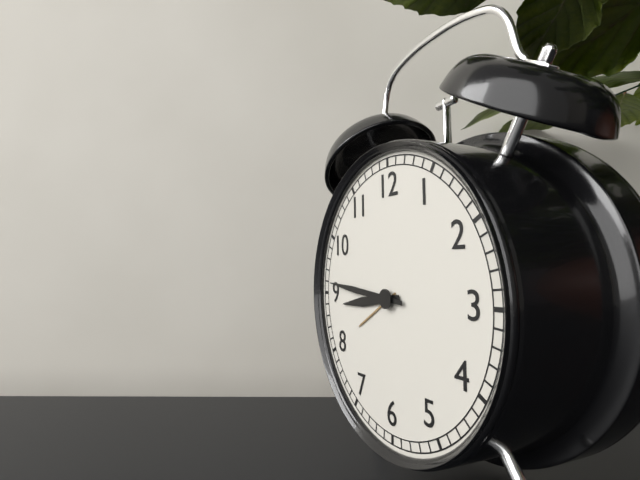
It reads 8h46
